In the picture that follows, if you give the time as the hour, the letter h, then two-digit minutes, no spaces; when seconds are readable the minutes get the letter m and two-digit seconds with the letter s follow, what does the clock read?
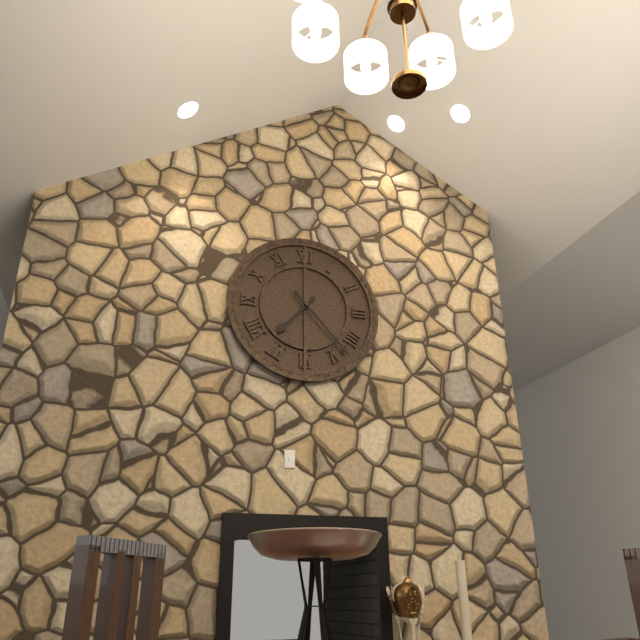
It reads 7h23
